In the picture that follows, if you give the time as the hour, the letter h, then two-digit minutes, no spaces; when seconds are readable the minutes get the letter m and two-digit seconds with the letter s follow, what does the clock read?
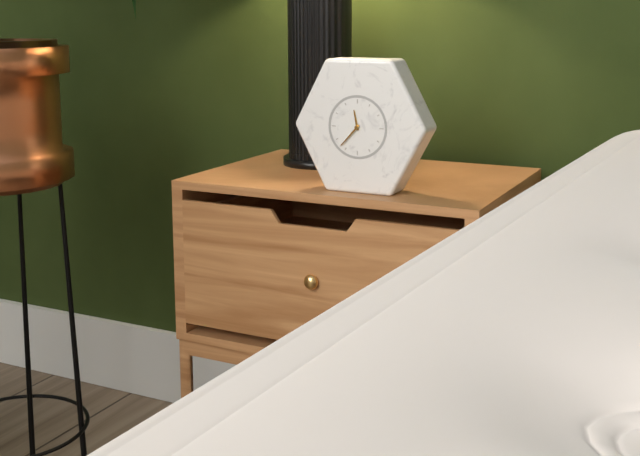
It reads 11h37
